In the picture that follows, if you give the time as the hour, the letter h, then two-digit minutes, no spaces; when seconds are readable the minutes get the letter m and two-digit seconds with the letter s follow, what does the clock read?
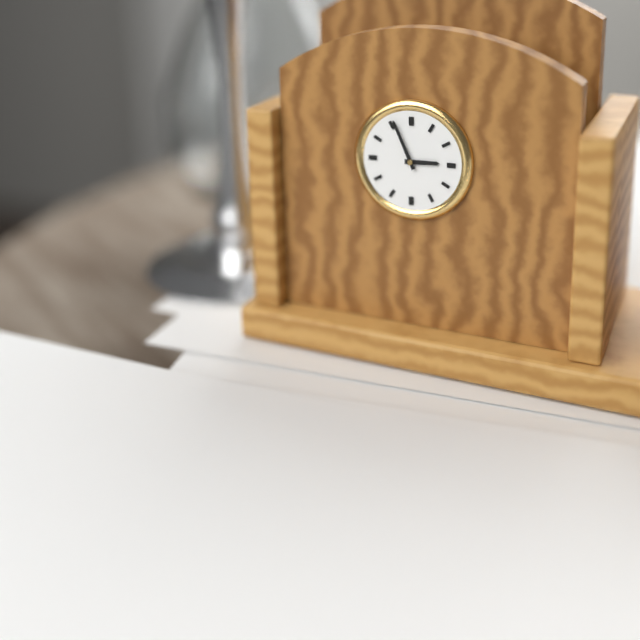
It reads 2h56
